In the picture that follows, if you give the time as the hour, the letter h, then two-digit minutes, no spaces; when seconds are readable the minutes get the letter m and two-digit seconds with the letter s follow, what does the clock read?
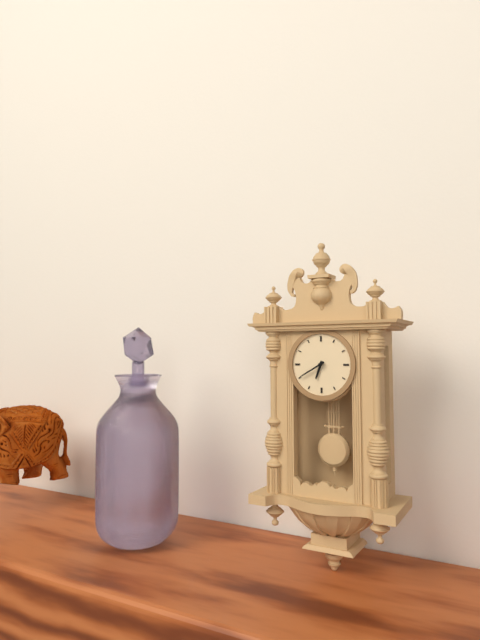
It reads 6h40
